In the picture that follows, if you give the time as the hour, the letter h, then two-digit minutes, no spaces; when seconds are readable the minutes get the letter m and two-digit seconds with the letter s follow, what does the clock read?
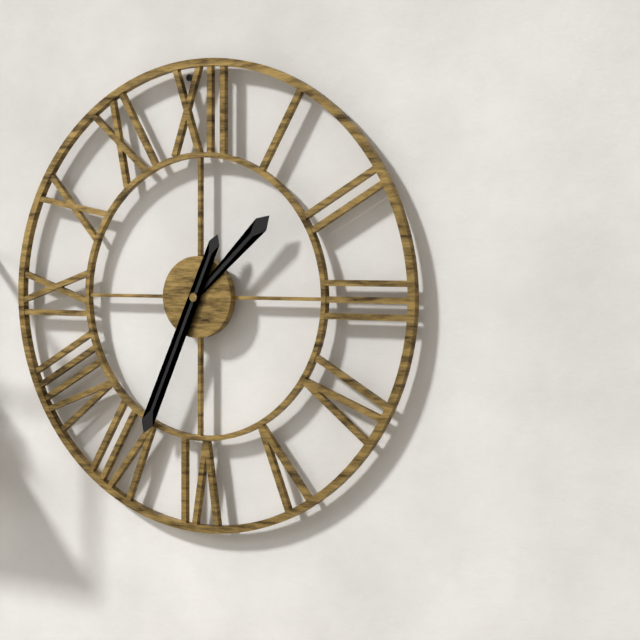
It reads 1h34
